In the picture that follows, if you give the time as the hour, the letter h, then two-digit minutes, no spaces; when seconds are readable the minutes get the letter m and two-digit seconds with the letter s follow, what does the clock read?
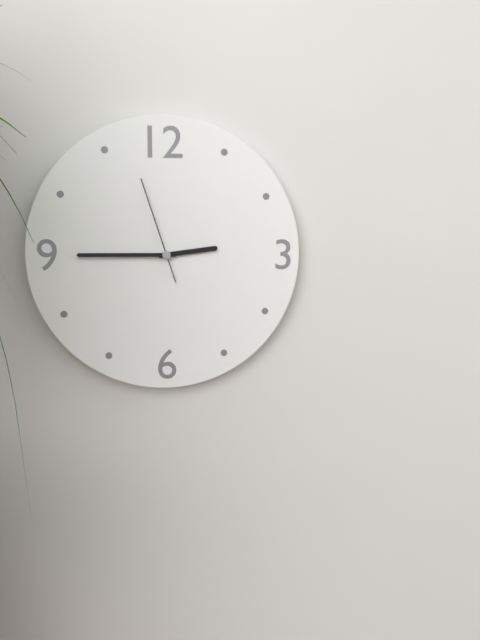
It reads 2h45m57s
